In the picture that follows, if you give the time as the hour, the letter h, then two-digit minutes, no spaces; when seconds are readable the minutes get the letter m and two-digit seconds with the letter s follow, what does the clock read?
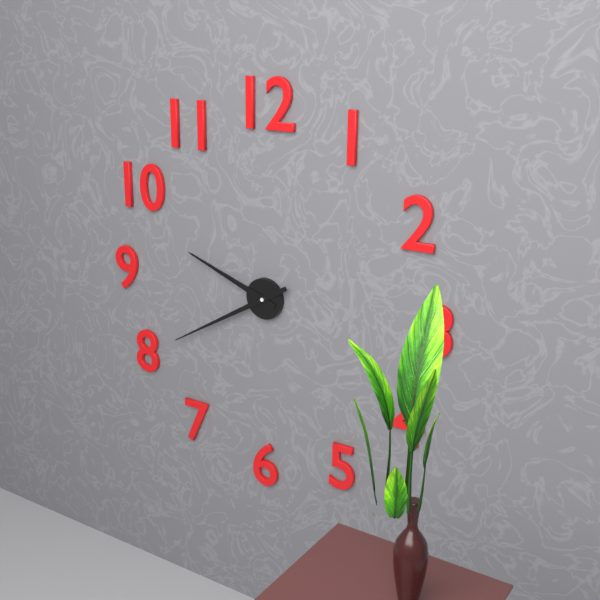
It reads 9h40
